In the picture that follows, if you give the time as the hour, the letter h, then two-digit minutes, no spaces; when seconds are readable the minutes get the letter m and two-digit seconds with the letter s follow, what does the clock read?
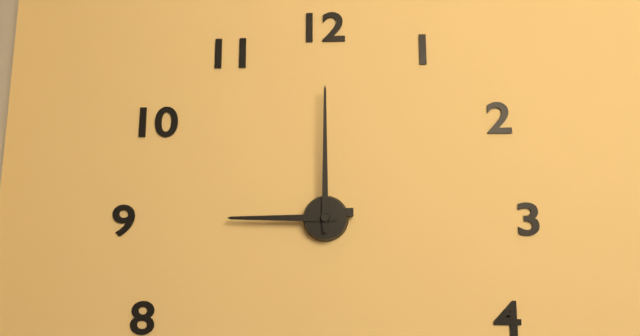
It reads 9h00
